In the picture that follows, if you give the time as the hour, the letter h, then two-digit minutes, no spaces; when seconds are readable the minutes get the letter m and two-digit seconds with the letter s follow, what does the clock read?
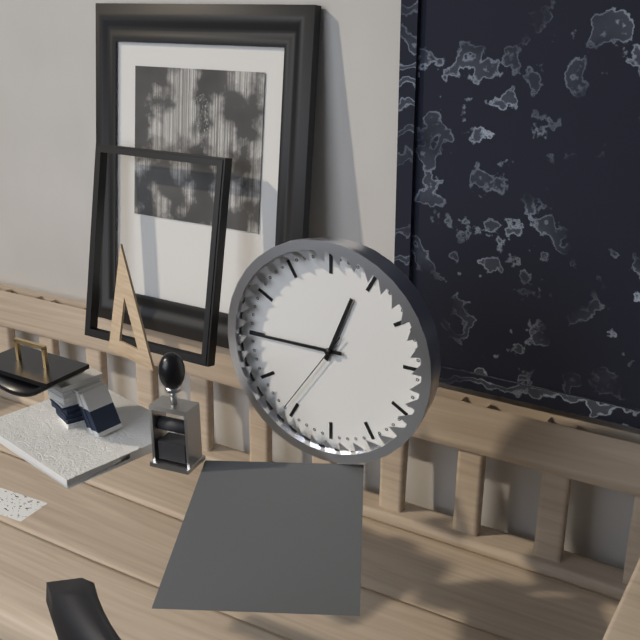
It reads 12h45m36s
